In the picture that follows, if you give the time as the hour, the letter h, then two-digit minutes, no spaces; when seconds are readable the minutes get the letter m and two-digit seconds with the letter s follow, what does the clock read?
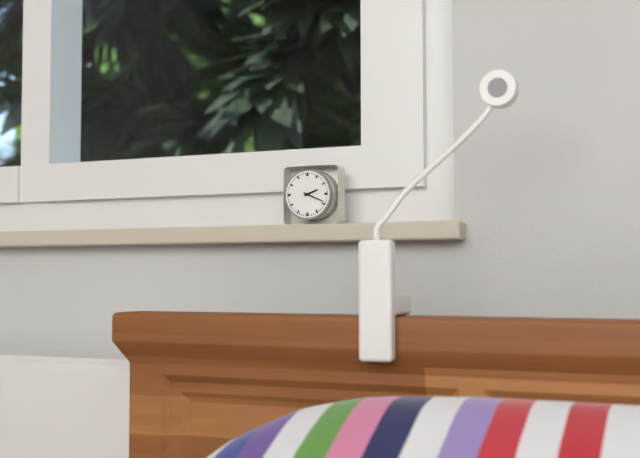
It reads 2h19
